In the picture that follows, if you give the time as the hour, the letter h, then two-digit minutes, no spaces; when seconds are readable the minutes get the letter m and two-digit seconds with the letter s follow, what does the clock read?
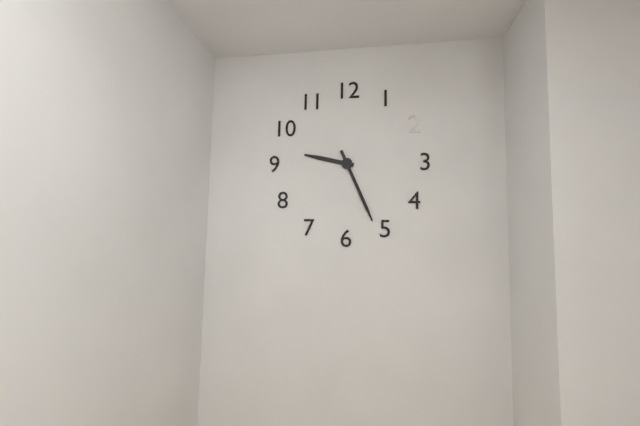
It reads 9h26
